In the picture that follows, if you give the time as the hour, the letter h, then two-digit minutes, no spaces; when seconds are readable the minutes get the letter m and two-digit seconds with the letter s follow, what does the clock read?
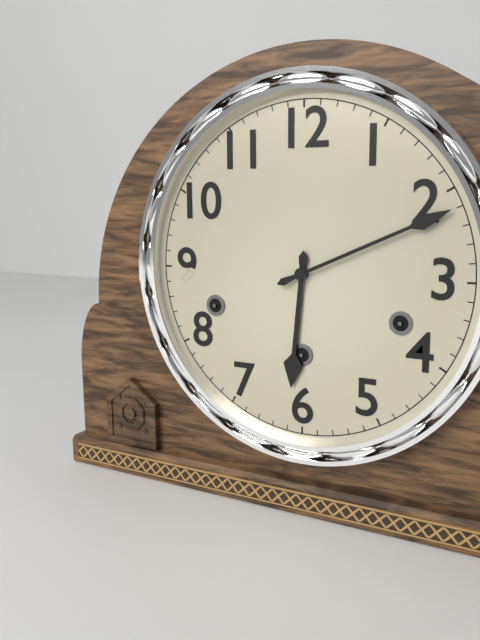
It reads 6h11
